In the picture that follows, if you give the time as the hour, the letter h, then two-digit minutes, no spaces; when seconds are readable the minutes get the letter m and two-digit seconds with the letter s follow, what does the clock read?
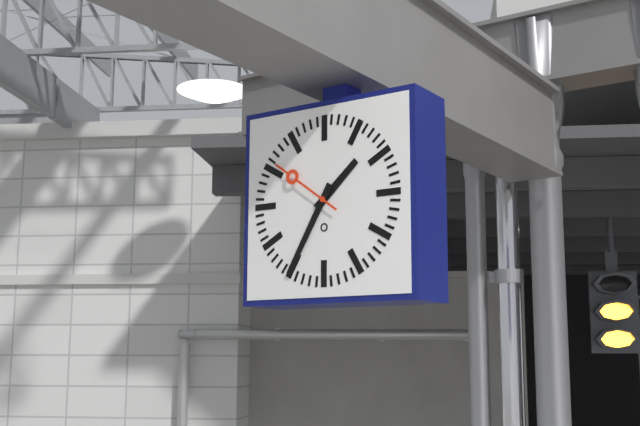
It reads 1h35m51s
